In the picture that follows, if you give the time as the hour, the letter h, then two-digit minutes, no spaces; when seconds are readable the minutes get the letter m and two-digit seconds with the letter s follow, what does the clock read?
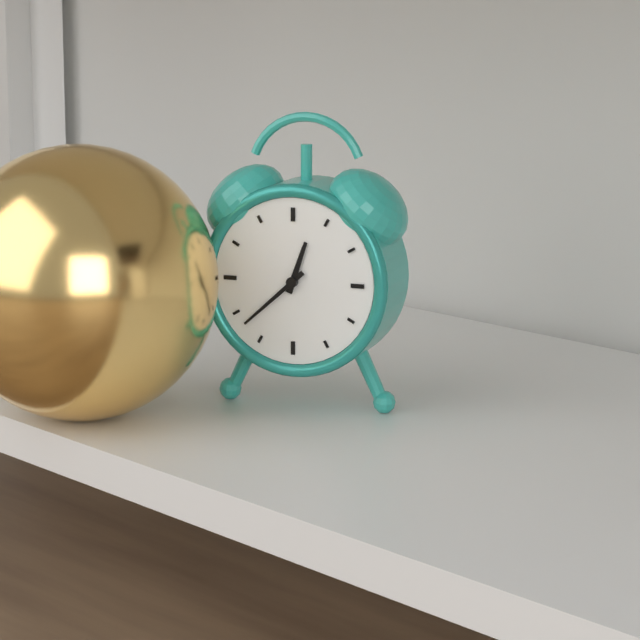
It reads 12h38
